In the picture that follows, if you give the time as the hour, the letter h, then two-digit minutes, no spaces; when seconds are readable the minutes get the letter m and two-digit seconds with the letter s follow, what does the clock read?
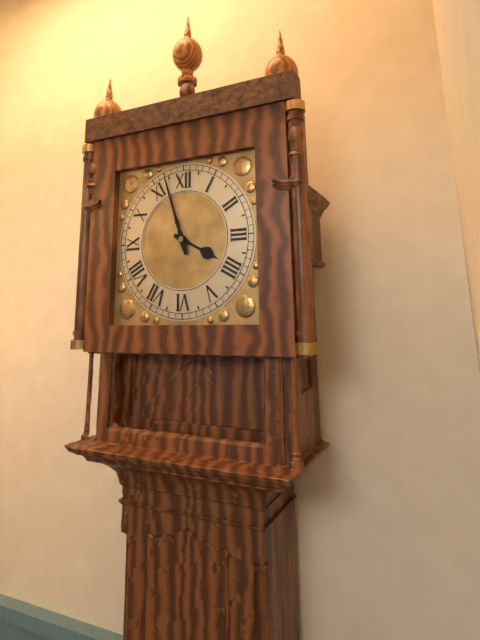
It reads 3h57
